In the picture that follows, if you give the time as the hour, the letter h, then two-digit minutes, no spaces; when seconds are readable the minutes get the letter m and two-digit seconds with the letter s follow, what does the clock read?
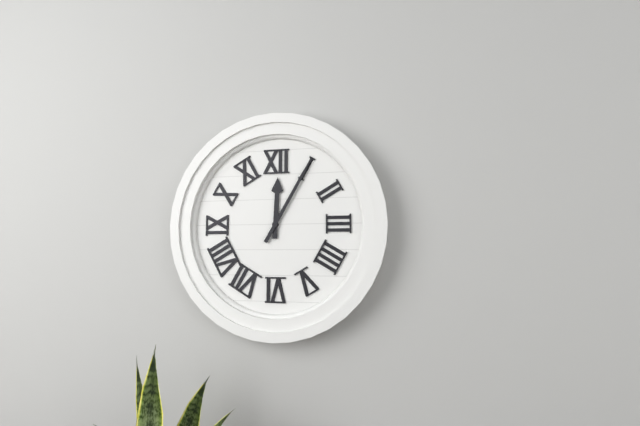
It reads 12h05
